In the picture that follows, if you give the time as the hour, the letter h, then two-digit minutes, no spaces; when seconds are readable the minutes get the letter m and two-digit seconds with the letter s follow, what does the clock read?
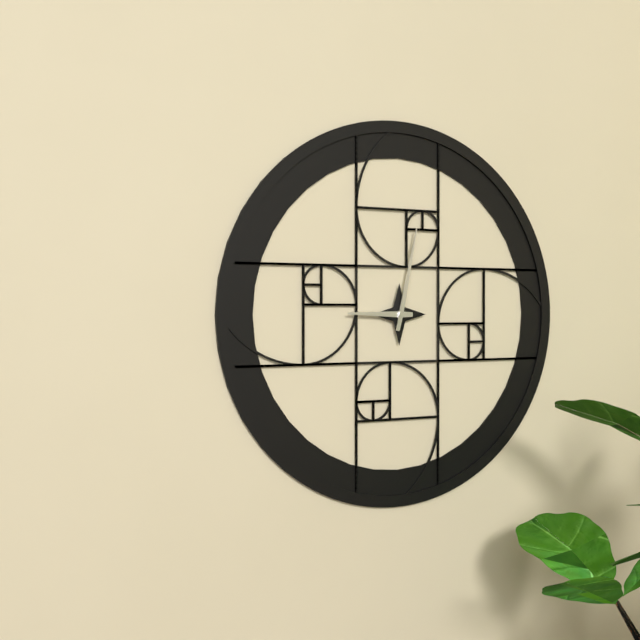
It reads 9h02
